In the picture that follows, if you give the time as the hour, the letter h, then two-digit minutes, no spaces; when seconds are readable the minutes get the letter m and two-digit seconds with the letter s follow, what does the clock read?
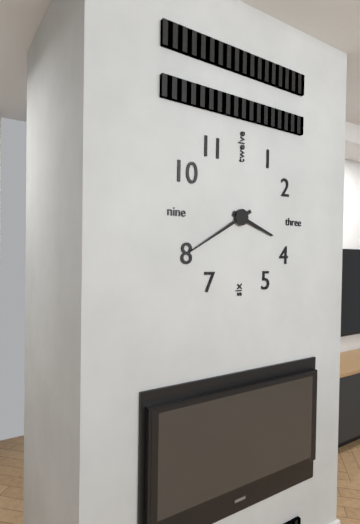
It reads 3h40
